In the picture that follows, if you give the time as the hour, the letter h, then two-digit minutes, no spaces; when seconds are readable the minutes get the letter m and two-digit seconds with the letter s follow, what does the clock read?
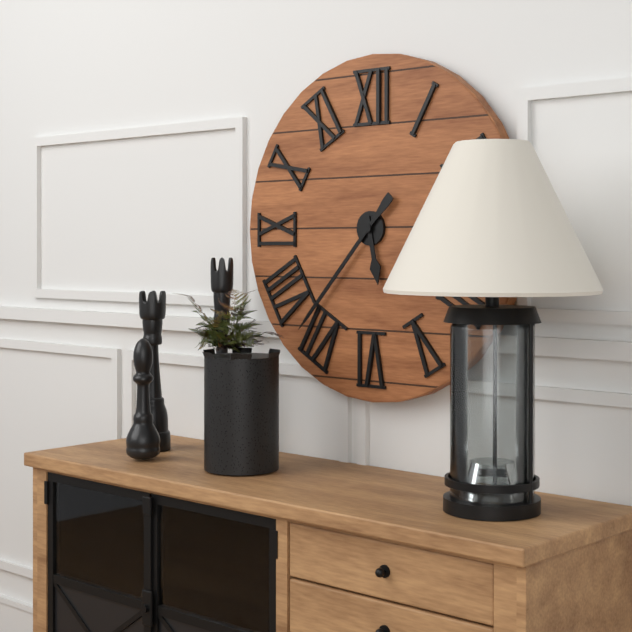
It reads 5h37
